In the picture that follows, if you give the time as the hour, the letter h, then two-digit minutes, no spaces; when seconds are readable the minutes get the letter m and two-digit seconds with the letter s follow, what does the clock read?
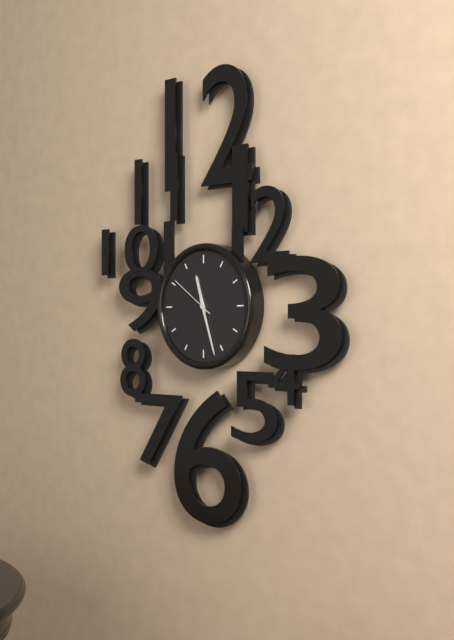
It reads 11h27m51s
